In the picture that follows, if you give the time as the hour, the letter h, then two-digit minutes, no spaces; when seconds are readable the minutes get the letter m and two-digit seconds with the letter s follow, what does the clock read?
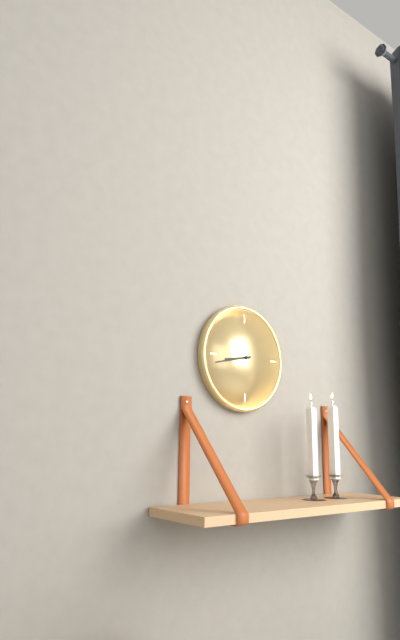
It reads 8h43
